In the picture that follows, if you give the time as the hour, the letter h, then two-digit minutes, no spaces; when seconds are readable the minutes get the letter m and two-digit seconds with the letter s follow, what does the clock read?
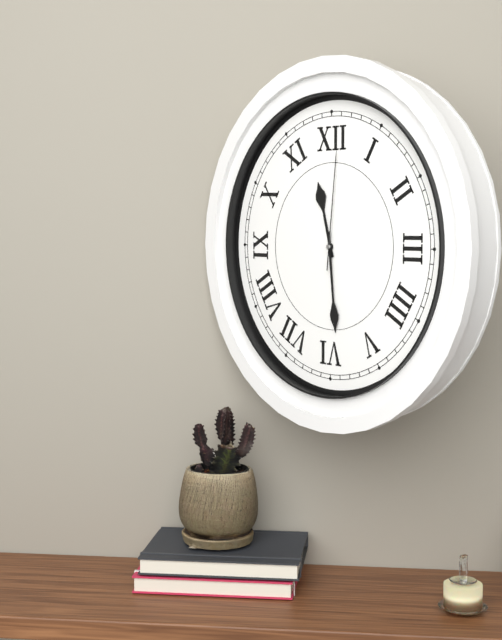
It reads 11h29m01s
